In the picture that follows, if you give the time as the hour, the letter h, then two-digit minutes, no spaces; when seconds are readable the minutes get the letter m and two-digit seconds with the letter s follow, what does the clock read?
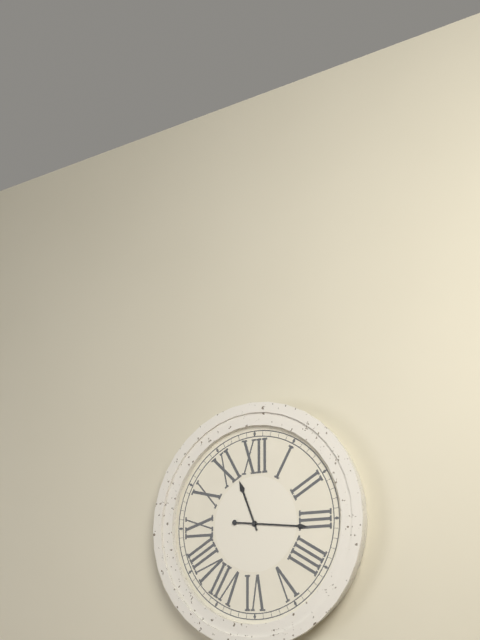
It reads 11h16
